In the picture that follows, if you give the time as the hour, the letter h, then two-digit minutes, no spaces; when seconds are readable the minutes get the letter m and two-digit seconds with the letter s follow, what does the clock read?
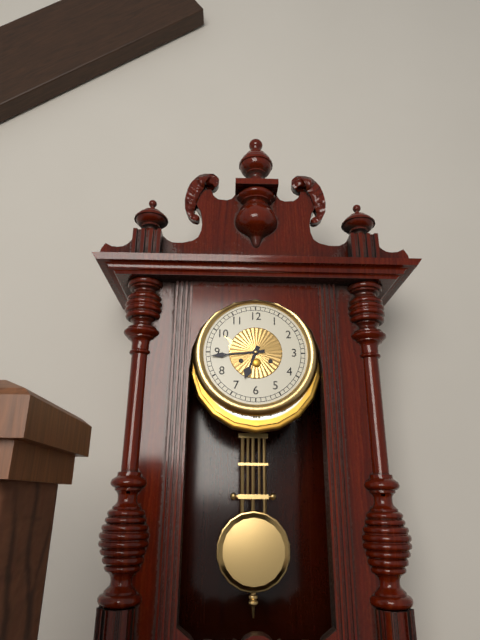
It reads 6h44
